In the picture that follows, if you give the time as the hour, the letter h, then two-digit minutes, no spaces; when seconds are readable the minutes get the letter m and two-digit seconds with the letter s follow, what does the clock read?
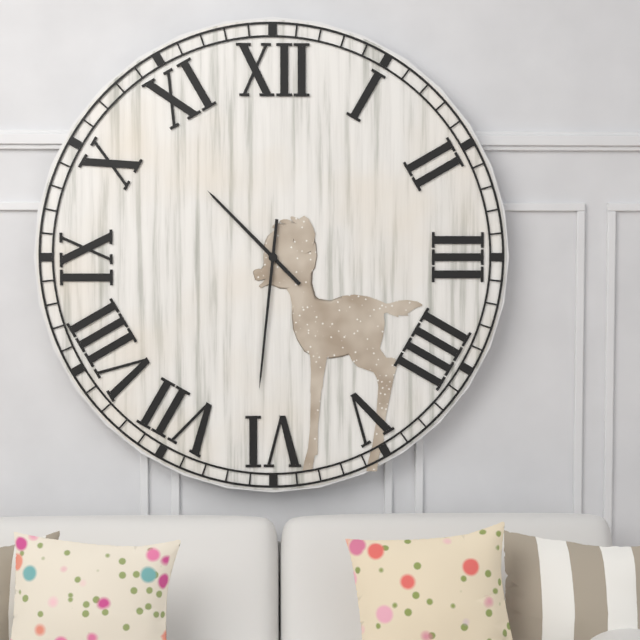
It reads 10h31
